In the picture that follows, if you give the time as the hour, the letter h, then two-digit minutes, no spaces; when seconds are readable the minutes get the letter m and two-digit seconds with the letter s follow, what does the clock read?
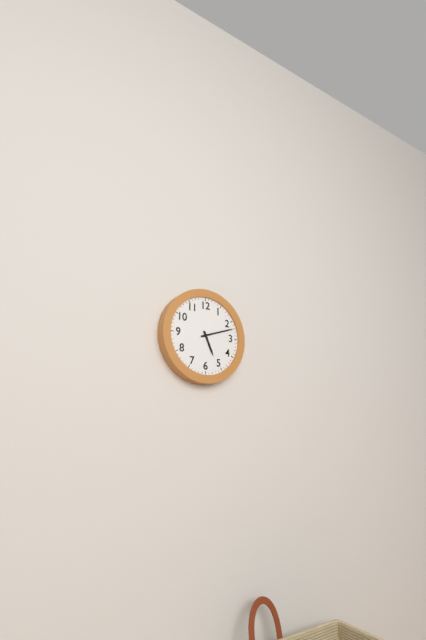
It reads 5h12
